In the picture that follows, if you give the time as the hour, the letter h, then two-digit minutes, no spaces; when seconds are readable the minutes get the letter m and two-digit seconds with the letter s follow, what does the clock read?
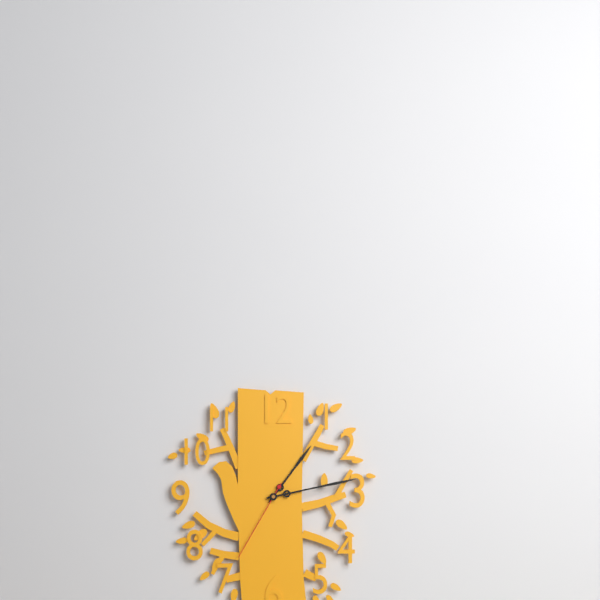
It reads 1h13m35s
